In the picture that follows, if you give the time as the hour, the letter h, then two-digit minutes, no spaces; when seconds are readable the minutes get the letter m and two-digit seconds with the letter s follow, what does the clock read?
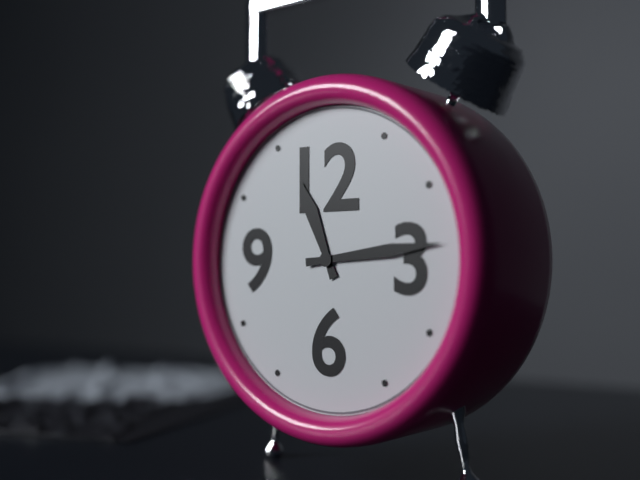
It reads 11h14
